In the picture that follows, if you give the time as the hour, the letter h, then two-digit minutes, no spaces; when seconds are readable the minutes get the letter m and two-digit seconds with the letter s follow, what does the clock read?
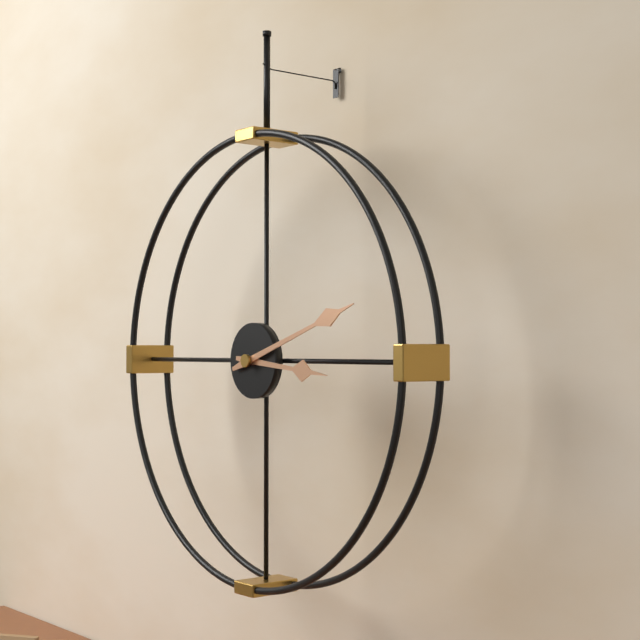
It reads 3h12
